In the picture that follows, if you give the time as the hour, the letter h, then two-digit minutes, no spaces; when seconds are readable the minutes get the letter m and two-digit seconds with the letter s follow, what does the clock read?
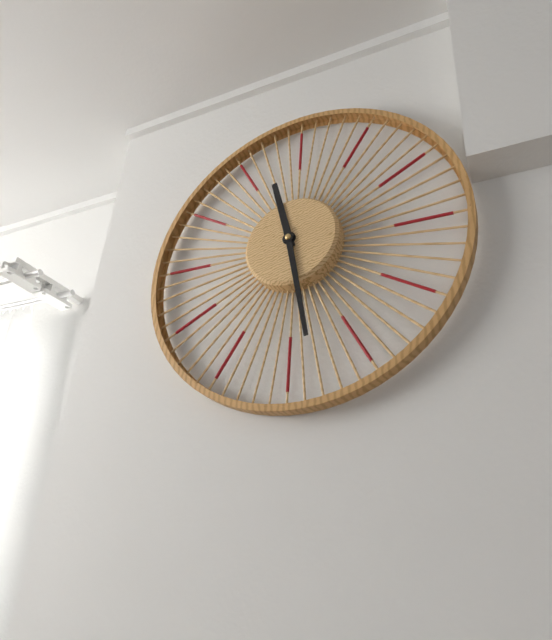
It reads 11h28
